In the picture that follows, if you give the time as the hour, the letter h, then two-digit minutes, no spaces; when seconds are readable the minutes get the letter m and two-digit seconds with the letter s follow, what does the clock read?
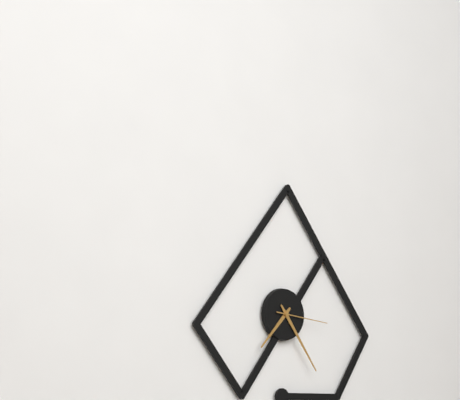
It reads 7h24m16s
